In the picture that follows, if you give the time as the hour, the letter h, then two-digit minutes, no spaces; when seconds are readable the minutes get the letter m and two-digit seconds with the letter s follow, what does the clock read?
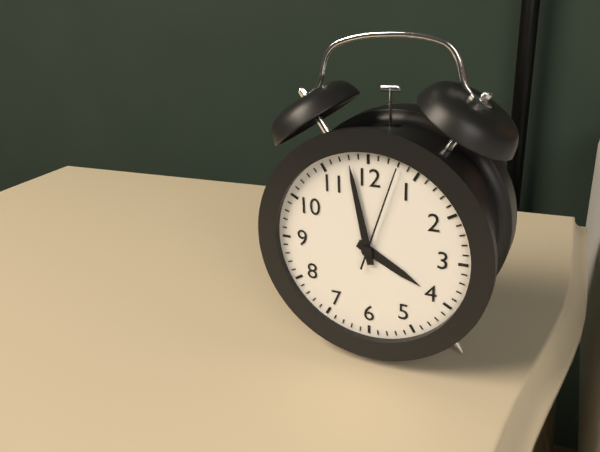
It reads 3h58m03s
